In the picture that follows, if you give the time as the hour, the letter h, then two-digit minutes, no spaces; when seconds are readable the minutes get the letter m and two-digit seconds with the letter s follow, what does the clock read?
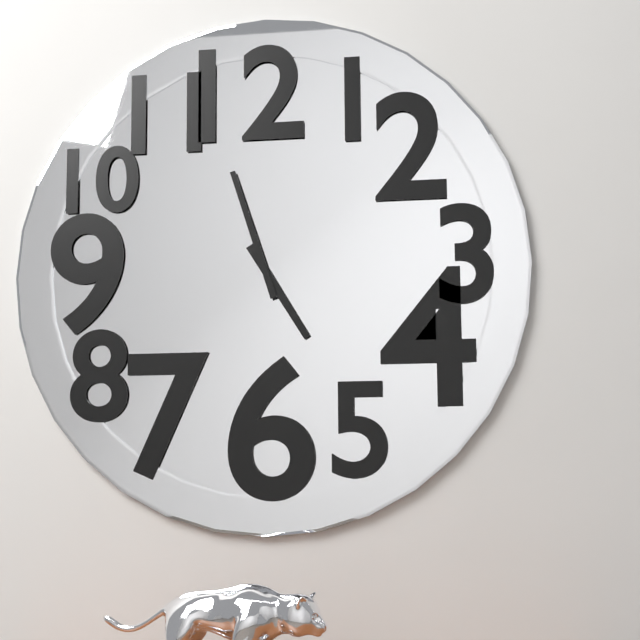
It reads 4h57
